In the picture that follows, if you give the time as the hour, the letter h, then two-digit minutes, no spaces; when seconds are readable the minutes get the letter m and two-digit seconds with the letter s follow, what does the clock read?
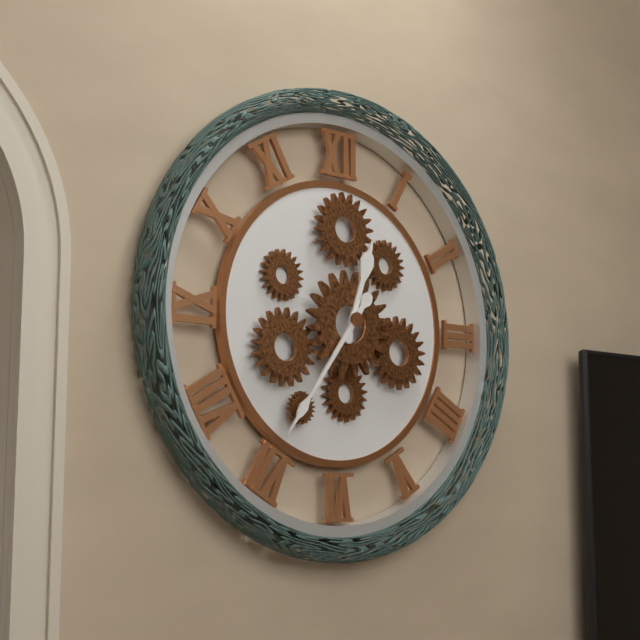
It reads 12h36
